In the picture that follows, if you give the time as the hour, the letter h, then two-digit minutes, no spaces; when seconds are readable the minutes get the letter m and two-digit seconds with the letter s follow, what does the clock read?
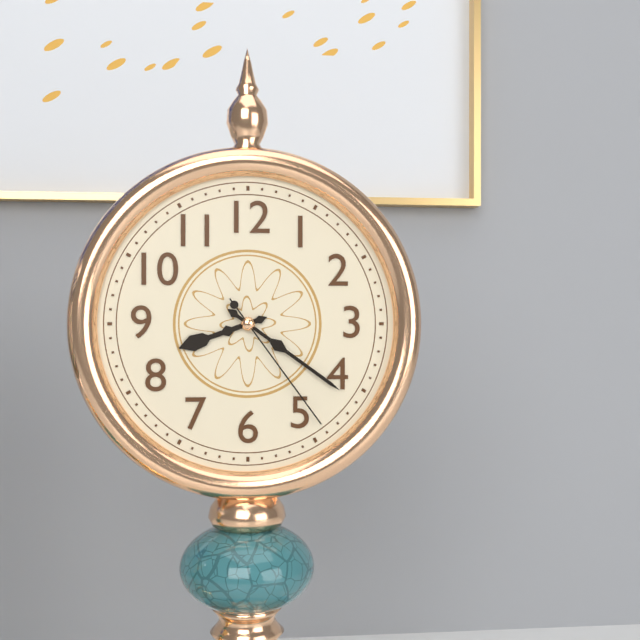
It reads 8h21m24s
